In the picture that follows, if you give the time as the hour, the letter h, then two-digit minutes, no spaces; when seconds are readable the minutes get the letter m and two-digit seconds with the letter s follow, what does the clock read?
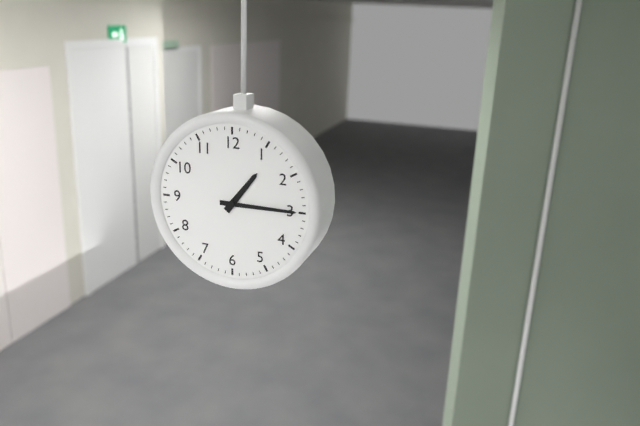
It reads 1h15
